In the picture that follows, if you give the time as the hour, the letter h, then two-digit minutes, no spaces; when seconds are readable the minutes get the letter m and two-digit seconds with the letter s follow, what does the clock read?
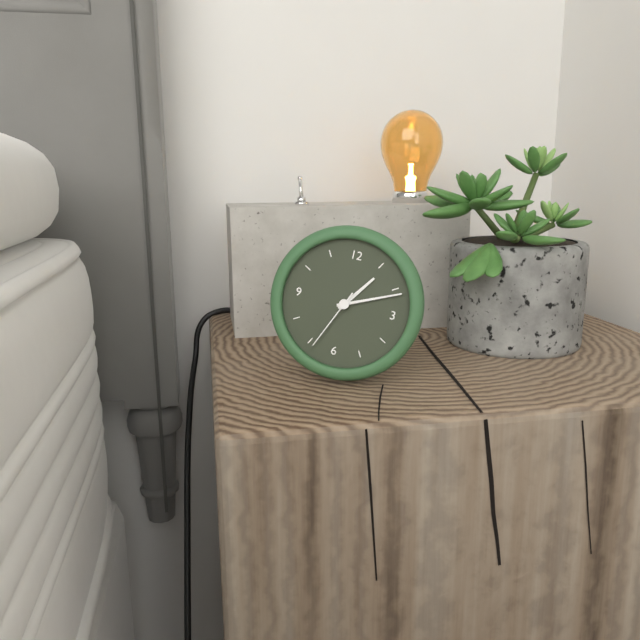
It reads 1h11m34s
